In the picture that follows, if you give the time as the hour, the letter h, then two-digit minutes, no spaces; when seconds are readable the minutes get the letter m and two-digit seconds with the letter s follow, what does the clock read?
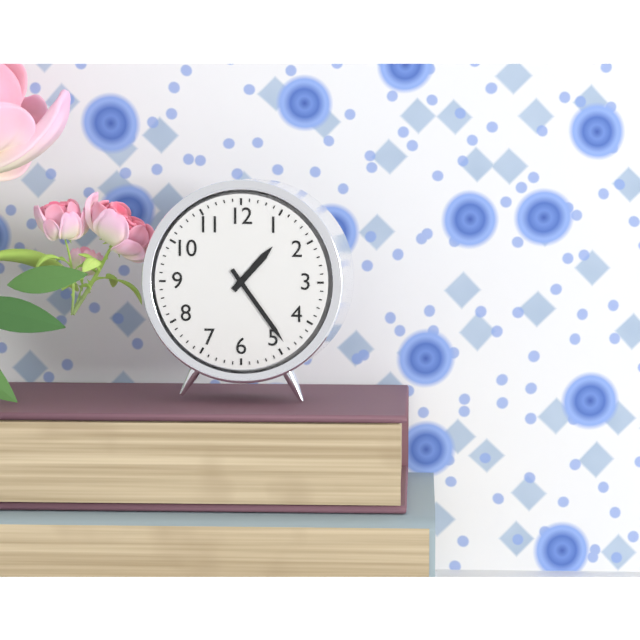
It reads 1h24
